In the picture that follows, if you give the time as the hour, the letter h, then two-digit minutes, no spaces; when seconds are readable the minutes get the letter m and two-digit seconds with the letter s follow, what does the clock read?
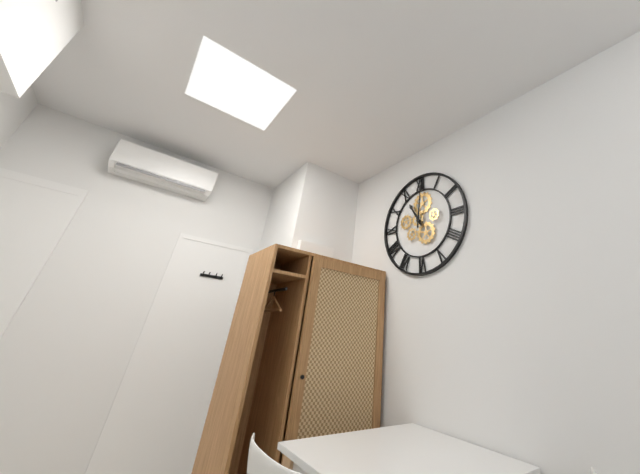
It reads 11h01
